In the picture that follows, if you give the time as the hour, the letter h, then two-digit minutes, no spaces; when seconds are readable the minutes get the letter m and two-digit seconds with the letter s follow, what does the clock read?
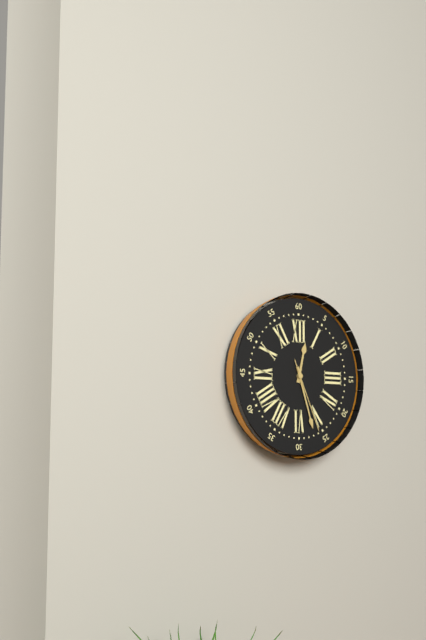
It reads 12h27m26s
